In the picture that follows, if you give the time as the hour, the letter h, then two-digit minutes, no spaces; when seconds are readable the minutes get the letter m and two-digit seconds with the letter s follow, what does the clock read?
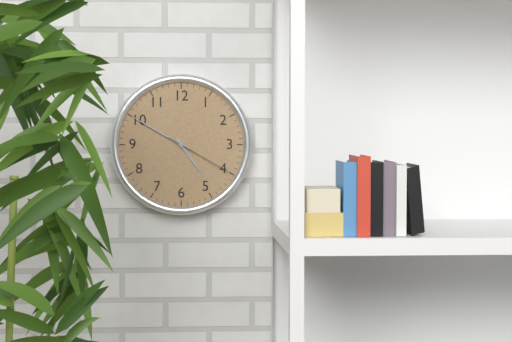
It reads 4h50m20s
